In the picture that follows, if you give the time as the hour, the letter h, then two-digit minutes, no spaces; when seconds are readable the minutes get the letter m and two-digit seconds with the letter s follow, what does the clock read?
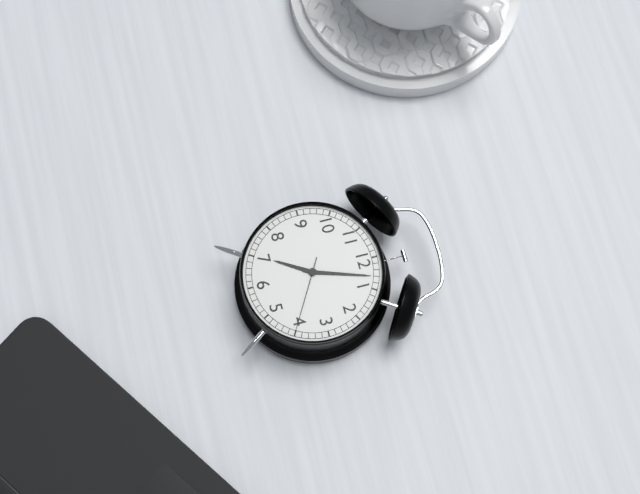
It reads 7h03m20s
